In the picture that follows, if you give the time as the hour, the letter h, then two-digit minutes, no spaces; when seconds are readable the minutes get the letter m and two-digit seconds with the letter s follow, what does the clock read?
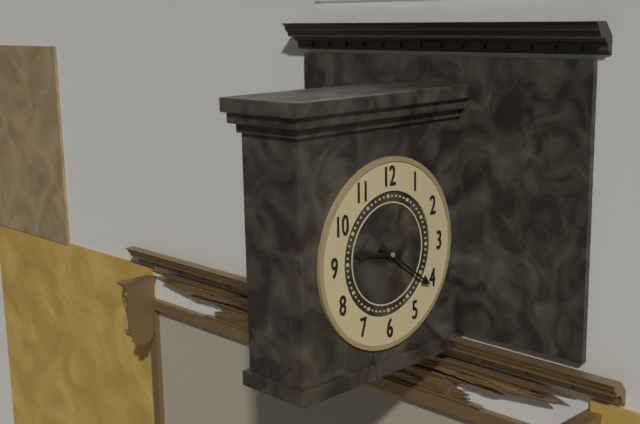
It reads 9h21
